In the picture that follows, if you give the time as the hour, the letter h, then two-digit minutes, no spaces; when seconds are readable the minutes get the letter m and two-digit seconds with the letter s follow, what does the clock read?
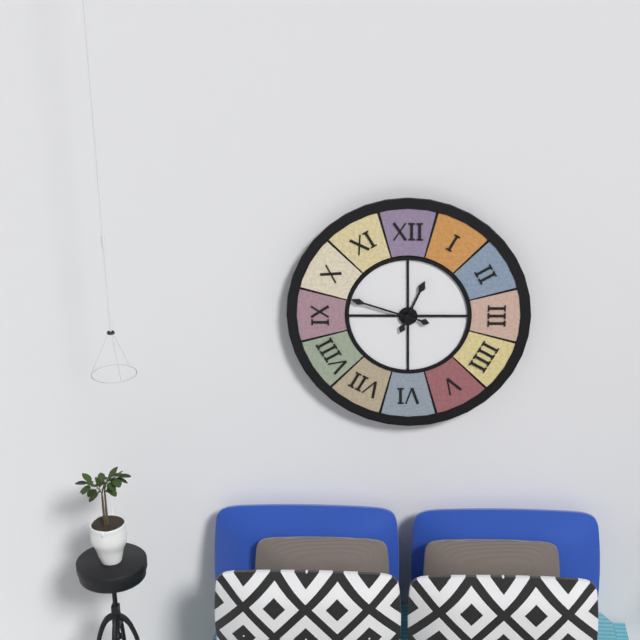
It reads 12h48
